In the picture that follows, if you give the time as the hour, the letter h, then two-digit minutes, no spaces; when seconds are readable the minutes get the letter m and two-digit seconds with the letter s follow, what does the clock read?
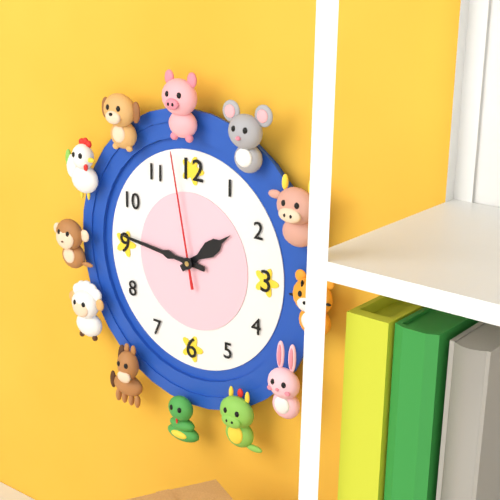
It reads 1h46m58s
